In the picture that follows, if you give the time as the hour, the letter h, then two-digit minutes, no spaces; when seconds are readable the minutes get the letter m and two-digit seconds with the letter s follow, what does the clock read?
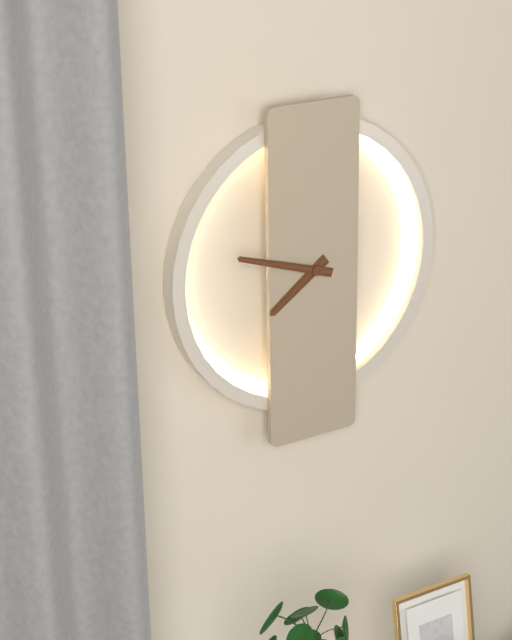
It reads 7h48
